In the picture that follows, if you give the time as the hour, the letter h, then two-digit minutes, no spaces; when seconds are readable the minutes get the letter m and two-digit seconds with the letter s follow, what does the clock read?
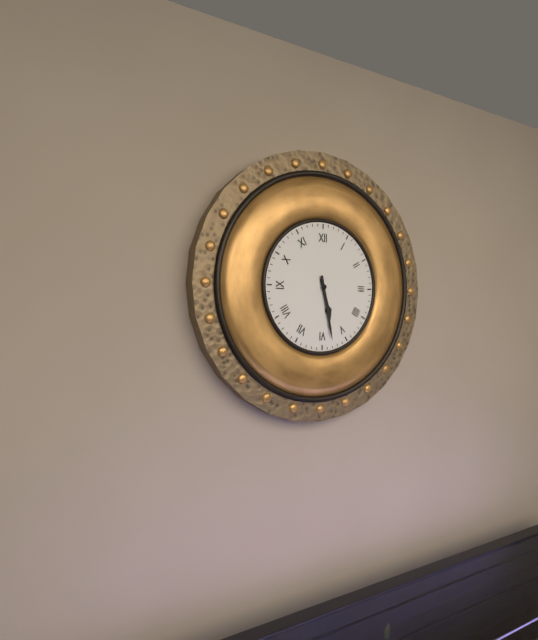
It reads 5h28
